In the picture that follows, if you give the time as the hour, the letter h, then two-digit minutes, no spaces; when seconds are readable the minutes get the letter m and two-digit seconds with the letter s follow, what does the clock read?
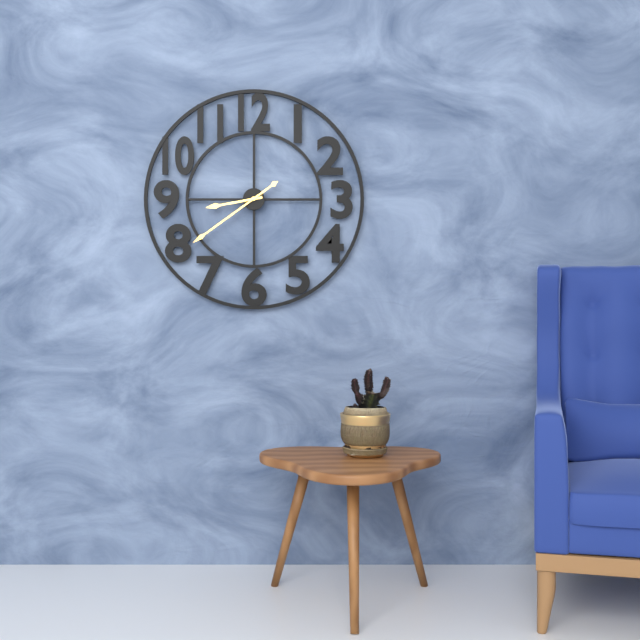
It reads 8h39
